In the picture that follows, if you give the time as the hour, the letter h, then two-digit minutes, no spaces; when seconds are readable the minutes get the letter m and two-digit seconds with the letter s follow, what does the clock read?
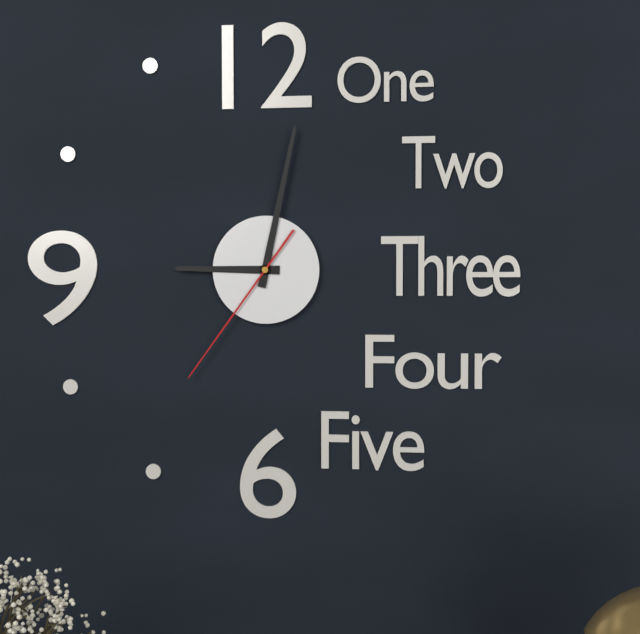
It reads 9h02m36s
